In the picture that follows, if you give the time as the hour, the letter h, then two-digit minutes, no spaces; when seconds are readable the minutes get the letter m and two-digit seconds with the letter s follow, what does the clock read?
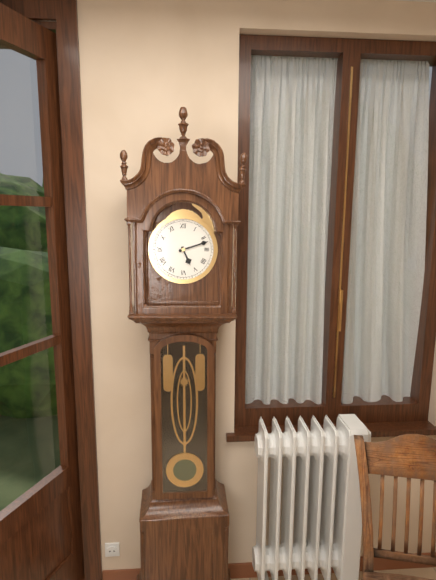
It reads 5h12
